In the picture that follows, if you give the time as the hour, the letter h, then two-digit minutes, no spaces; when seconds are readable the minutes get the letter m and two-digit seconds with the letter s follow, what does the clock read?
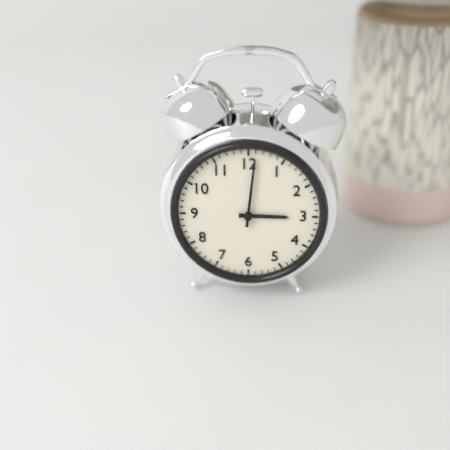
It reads 3h01
